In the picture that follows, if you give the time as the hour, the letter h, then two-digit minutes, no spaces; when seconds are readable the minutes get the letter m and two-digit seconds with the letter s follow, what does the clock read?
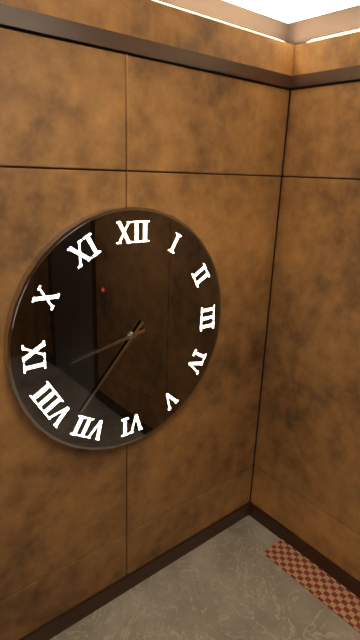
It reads 8h37
